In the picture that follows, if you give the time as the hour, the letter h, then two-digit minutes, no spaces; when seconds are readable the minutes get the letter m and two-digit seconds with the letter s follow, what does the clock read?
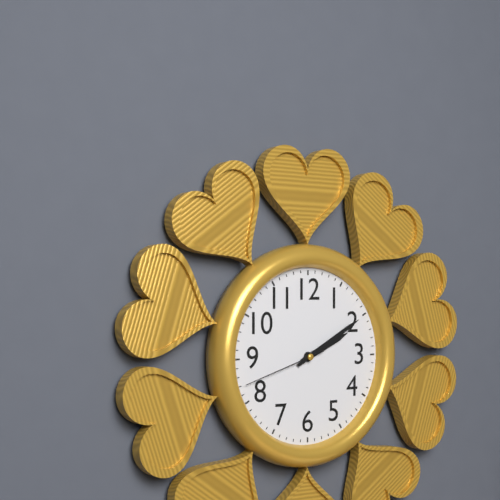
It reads 2h10m42s
